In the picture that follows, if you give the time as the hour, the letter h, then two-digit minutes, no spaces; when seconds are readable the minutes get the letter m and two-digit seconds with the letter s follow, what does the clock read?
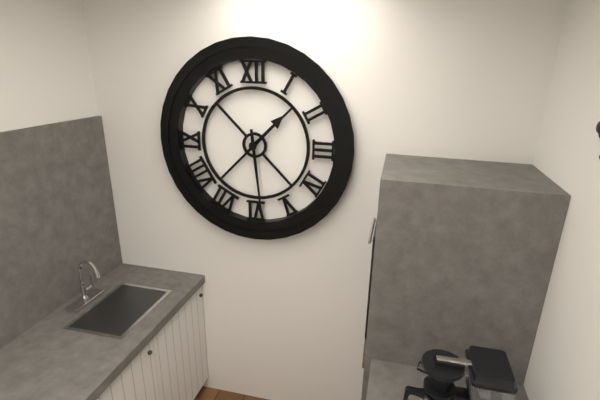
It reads 1h29
